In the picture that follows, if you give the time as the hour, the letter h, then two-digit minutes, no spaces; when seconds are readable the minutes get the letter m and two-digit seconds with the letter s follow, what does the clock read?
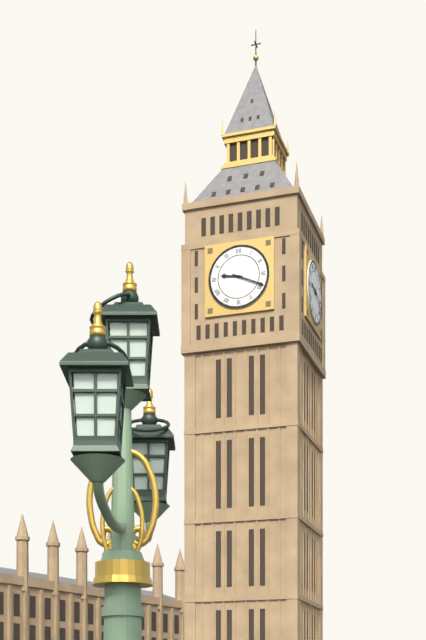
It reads 9h19
